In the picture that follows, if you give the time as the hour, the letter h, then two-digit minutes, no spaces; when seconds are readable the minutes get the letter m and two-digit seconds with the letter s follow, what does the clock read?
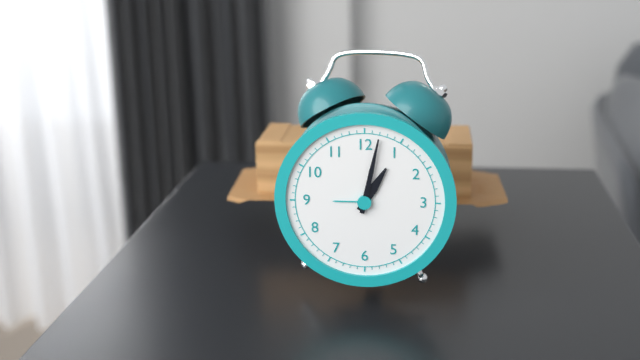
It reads 1h02
